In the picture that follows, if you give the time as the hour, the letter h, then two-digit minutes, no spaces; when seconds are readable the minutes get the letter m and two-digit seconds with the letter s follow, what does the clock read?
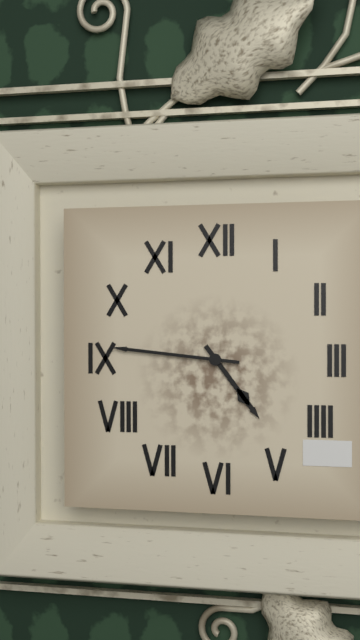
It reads 4h46
